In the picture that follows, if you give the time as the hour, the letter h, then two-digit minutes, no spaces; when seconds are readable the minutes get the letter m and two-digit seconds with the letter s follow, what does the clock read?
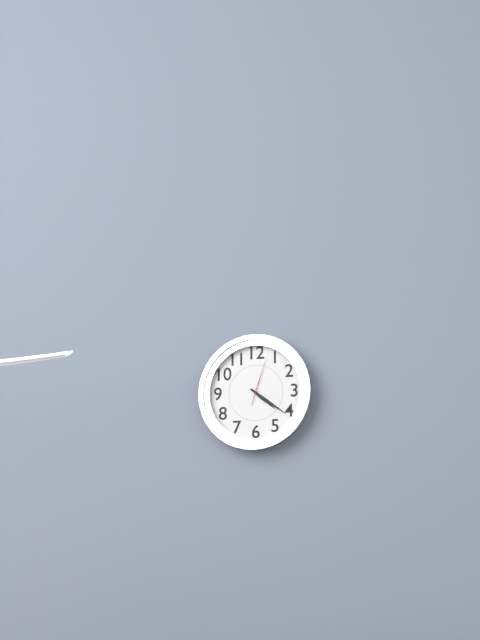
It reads 4h21
